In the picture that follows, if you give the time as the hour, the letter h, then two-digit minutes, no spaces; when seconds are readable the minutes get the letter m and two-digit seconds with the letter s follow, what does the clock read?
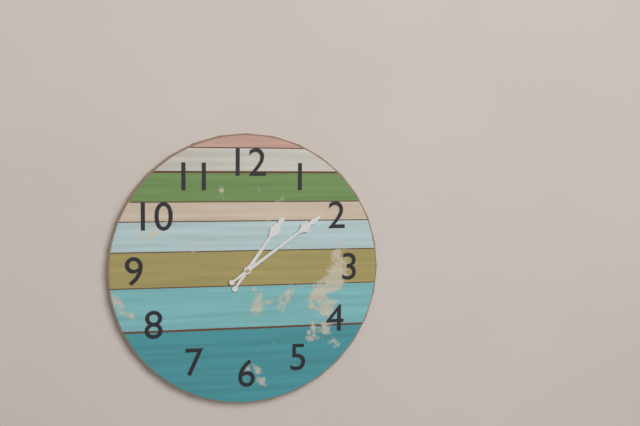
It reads 1h09
